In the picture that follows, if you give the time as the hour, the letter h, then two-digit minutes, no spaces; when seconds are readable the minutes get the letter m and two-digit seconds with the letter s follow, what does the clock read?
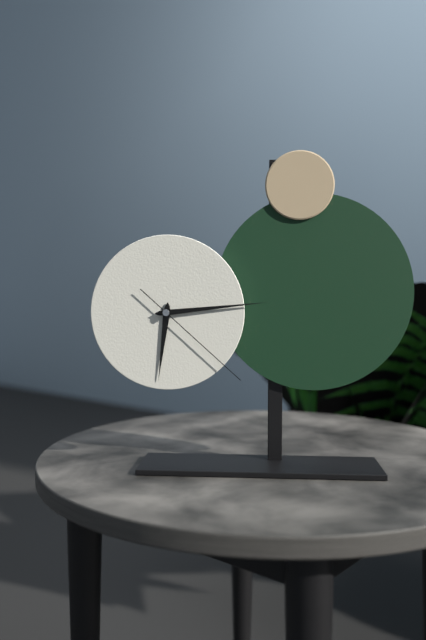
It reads 6h14m22s
